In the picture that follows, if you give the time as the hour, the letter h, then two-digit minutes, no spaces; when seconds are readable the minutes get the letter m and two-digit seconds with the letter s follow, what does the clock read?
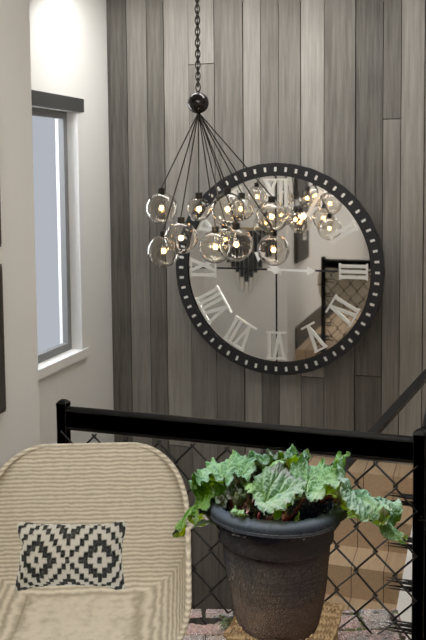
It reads 10h15
